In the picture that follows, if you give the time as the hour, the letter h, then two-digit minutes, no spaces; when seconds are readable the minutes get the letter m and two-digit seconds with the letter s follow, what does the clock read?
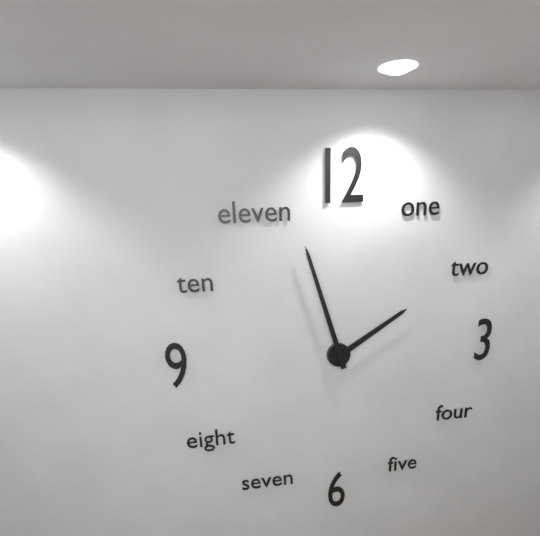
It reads 1h57
